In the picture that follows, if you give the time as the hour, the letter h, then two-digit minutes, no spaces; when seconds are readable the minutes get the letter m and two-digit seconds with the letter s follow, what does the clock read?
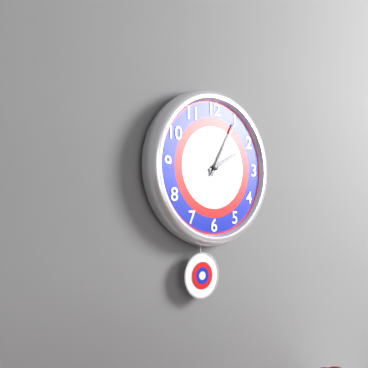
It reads 2h05
